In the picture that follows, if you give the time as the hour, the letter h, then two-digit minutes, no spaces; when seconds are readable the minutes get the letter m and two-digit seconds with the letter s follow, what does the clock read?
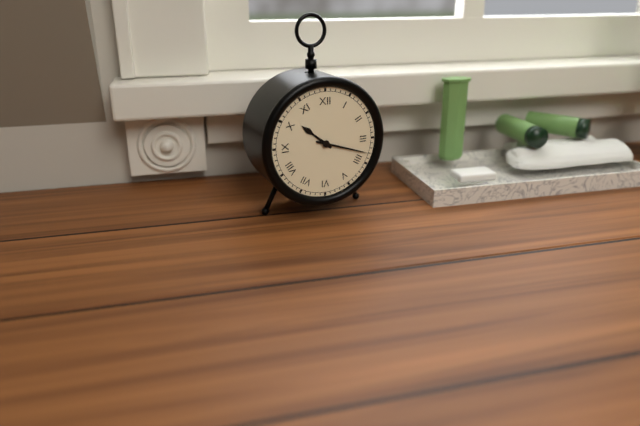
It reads 10h18
